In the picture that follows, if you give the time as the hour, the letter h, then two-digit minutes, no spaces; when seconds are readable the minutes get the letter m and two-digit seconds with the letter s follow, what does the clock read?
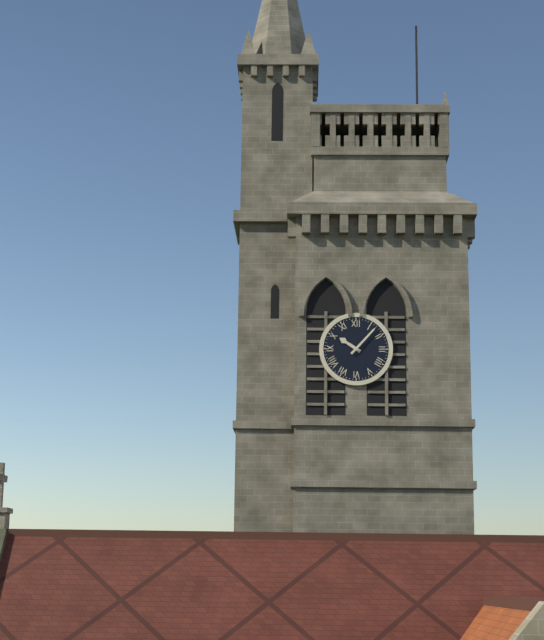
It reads 10h07
